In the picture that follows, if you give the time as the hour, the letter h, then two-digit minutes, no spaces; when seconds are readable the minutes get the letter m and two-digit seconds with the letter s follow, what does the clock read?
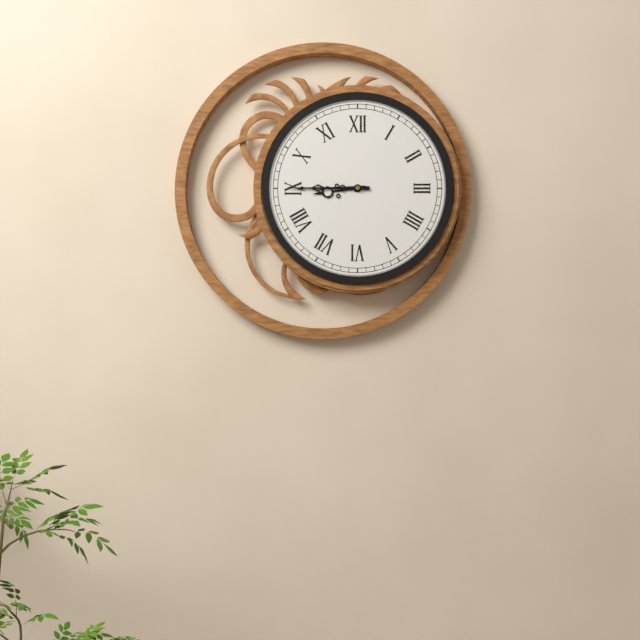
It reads 8h45
